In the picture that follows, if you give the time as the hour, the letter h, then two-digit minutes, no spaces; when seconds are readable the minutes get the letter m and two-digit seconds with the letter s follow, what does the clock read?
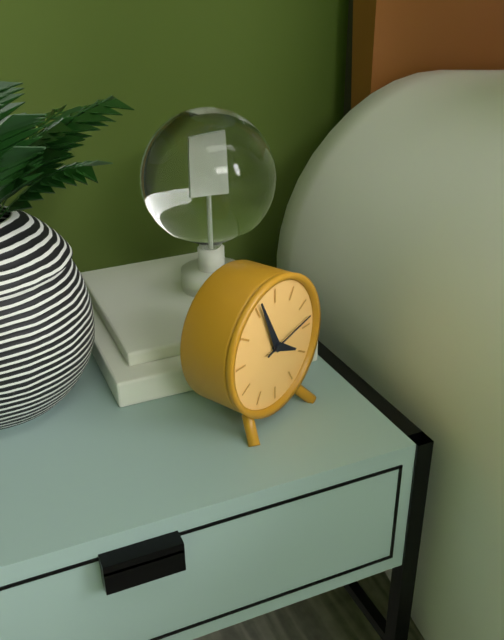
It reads 3h56m13s
